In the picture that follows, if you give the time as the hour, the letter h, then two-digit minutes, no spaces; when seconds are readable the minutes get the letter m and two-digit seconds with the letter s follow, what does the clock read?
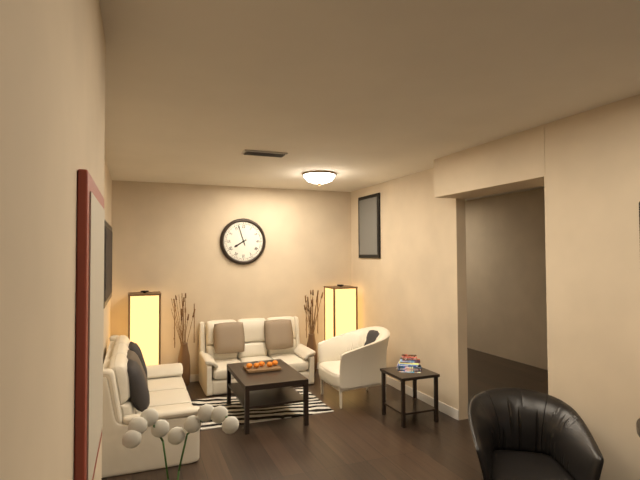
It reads 7h57
